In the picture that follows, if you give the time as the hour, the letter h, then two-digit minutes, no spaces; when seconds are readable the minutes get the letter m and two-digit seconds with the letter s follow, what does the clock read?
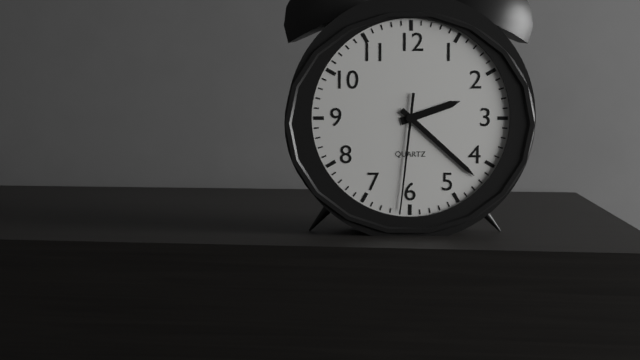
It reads 2h22m31s
